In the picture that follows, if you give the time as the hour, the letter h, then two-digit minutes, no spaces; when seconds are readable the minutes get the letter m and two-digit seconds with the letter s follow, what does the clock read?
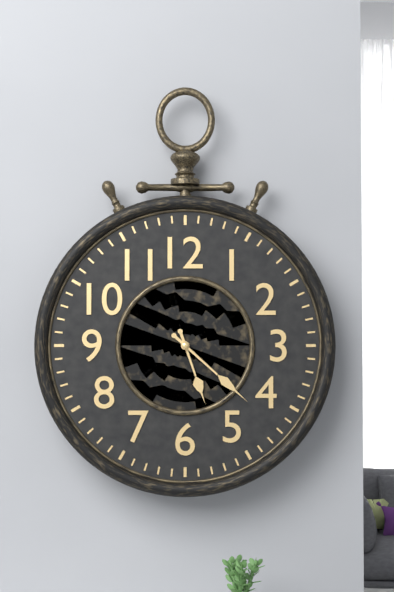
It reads 5h22
